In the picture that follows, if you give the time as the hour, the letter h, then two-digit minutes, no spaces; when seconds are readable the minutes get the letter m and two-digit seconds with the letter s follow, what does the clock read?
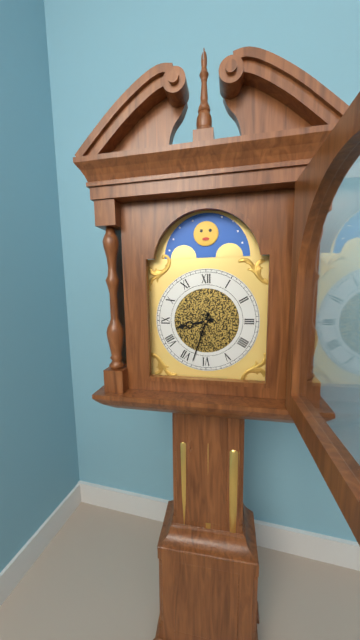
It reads 8h33
